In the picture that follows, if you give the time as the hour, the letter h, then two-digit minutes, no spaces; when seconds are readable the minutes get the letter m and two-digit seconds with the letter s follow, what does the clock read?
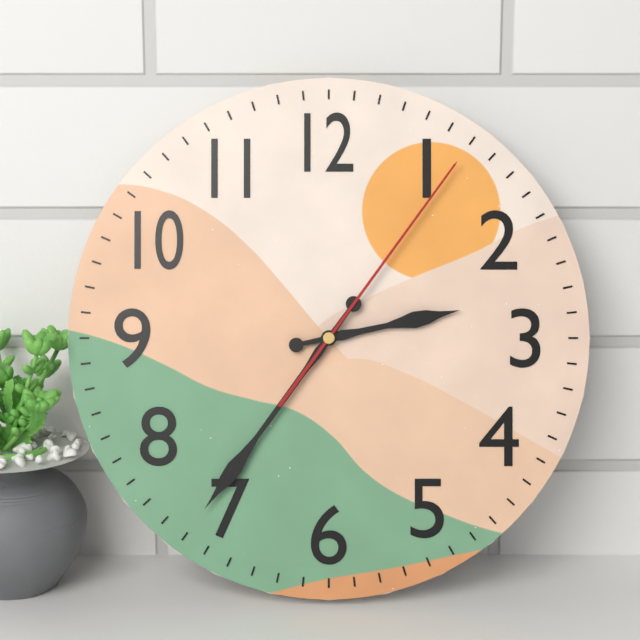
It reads 2h36m06s
